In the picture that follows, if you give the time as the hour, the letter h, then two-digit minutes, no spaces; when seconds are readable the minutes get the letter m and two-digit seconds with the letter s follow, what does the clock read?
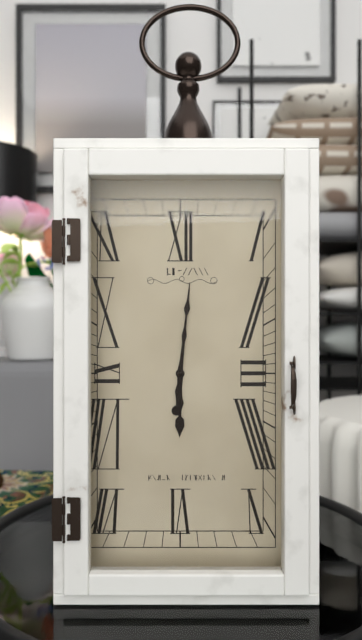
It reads 6h01
